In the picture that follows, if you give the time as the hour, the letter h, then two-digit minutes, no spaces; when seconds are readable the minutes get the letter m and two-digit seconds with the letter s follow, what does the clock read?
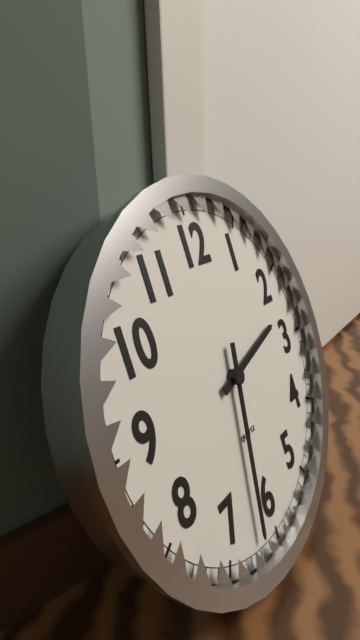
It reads 2h32
